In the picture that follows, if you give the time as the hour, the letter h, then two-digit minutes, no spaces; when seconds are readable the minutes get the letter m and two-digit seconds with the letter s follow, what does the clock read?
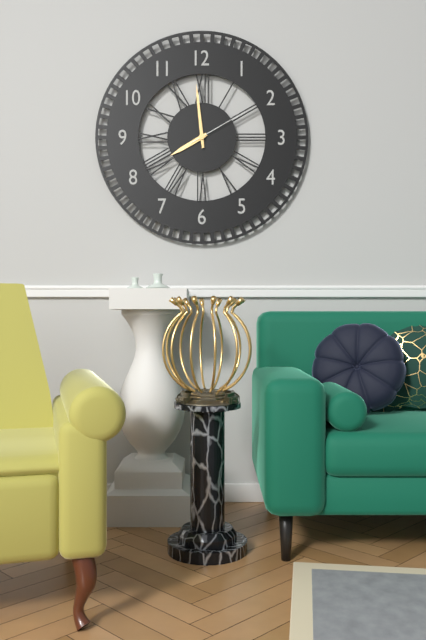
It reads 7h59m10s
